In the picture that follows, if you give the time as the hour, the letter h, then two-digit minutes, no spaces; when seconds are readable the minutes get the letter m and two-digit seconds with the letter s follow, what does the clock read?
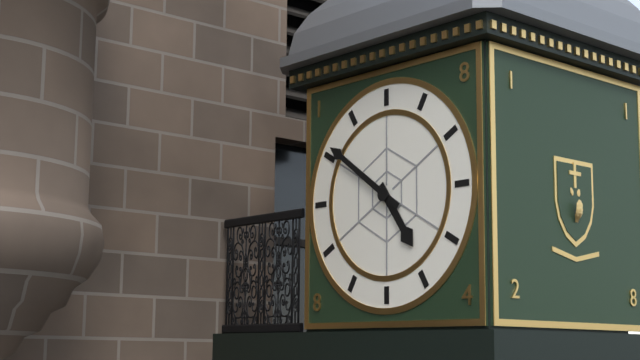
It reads 4h51
